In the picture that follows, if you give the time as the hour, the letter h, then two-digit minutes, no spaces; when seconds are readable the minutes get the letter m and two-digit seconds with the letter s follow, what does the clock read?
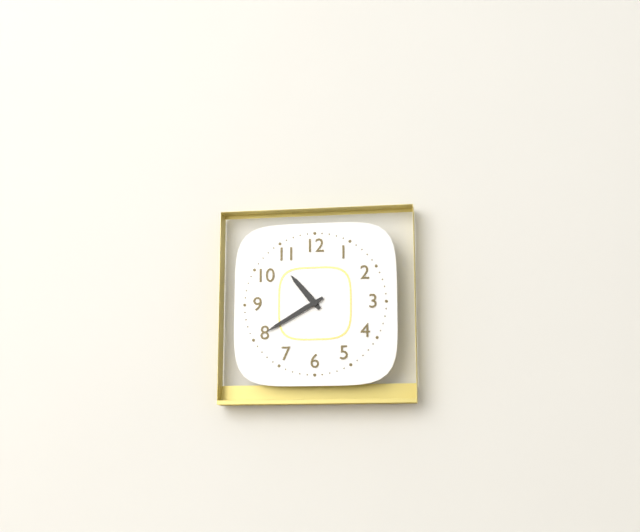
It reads 10h40
